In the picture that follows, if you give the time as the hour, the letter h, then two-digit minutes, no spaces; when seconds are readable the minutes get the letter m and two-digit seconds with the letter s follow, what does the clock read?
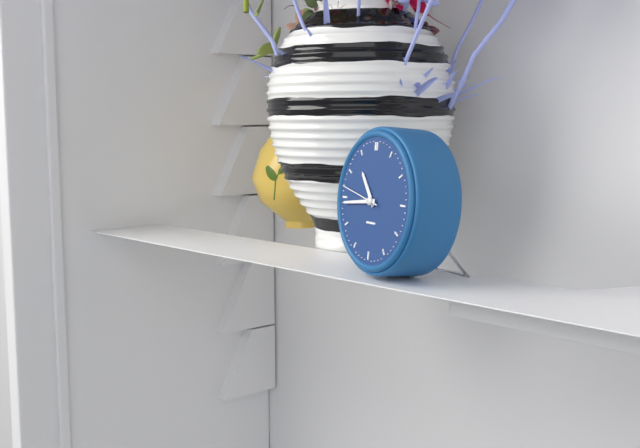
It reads 10h44
